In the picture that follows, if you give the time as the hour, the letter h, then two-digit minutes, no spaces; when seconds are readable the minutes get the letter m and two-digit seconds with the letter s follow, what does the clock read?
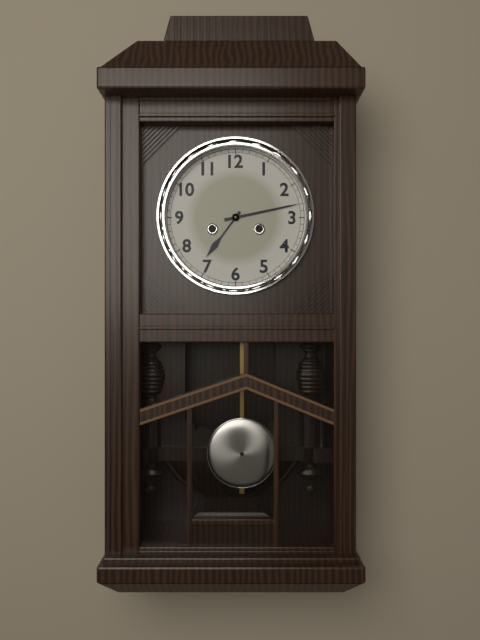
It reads 7h13
